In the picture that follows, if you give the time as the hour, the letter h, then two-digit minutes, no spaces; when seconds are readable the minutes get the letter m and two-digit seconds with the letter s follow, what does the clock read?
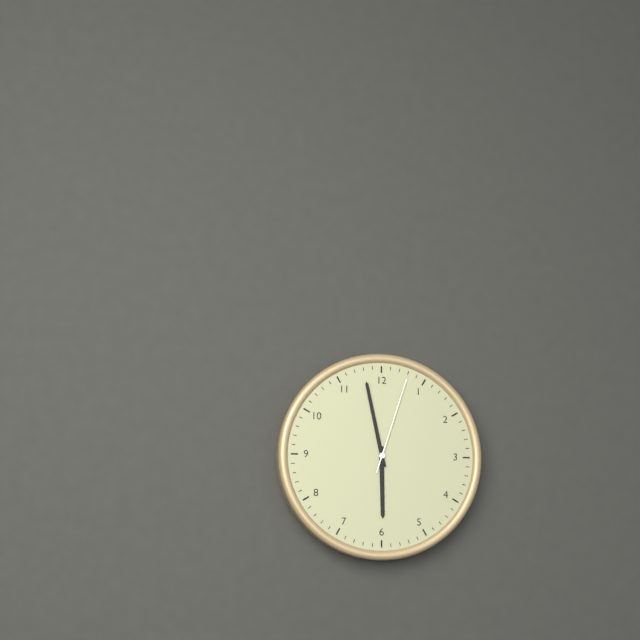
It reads 5h58m03s
